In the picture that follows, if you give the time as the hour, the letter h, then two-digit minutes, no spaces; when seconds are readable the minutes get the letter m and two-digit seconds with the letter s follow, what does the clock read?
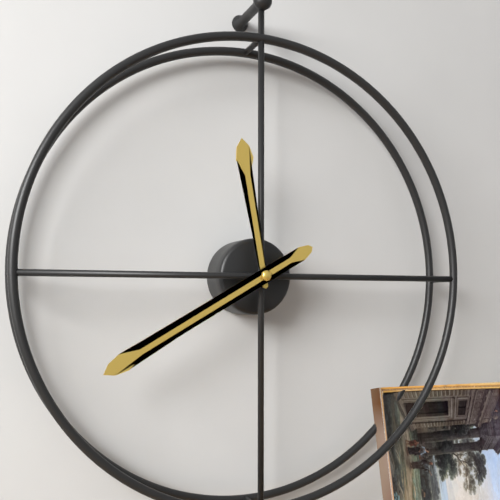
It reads 11h40
